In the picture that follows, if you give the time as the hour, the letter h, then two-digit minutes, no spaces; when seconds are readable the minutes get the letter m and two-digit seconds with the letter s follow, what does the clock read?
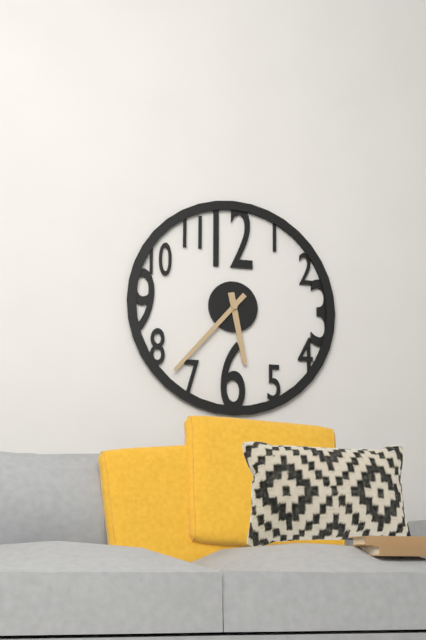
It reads 5h37
